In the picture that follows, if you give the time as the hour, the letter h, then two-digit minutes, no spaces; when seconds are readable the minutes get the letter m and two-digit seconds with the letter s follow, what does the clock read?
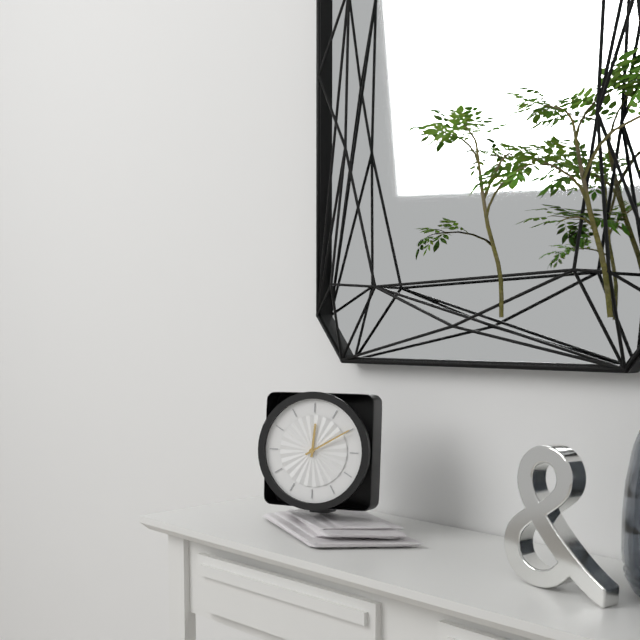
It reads 12h10
